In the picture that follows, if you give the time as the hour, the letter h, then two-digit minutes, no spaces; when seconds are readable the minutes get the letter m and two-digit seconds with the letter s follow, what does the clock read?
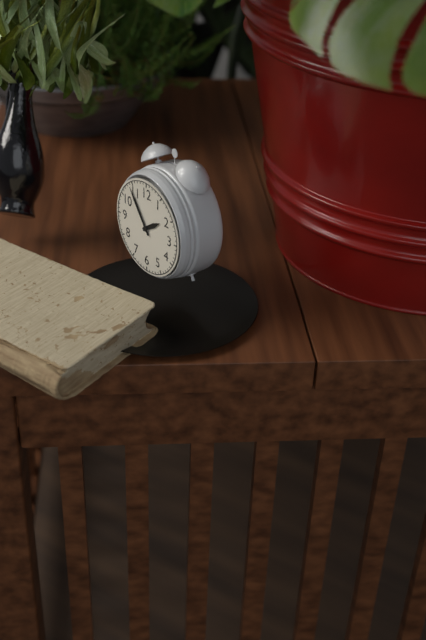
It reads 1h54
